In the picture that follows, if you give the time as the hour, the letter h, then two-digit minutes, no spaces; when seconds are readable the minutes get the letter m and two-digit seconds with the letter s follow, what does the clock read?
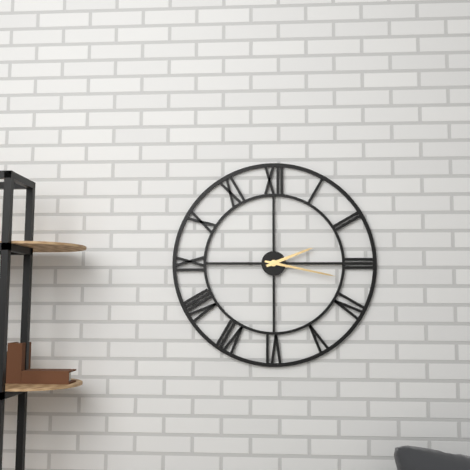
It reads 2h17
